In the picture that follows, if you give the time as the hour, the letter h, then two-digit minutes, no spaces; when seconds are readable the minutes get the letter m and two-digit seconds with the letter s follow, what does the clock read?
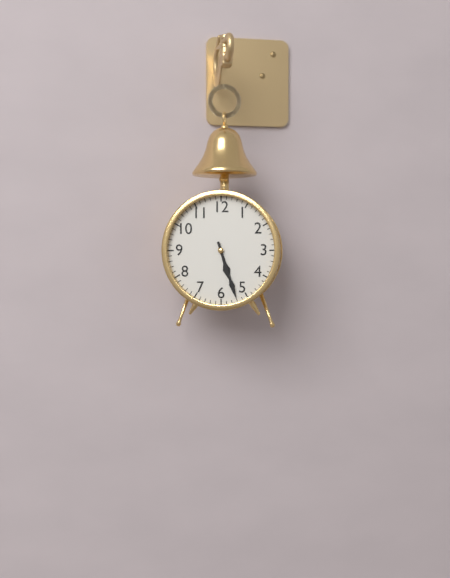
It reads 5h27
